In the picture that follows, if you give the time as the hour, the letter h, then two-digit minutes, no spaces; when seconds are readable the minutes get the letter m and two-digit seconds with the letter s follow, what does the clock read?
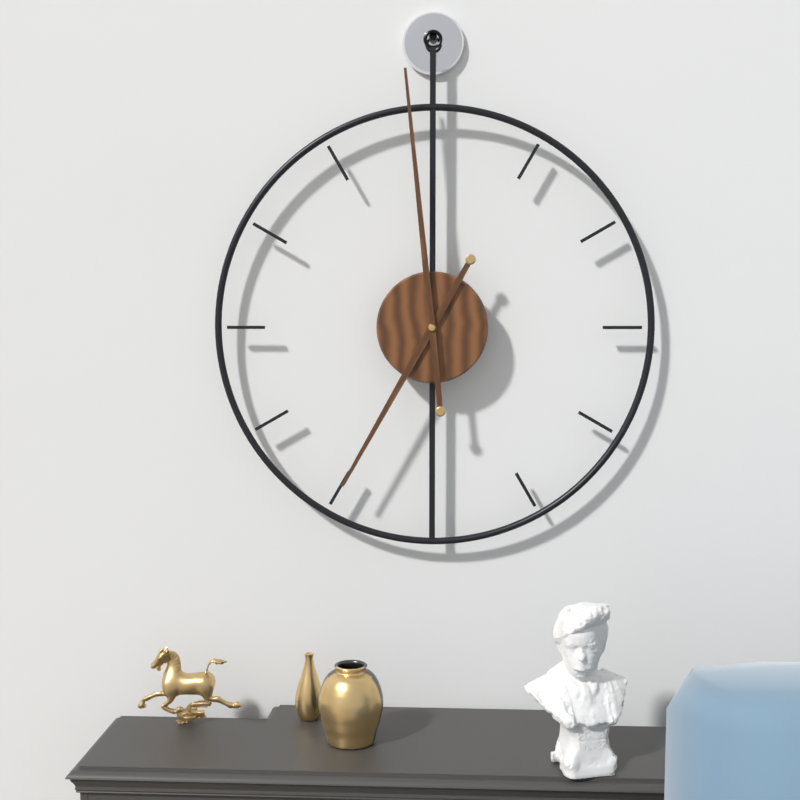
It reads 6h59
